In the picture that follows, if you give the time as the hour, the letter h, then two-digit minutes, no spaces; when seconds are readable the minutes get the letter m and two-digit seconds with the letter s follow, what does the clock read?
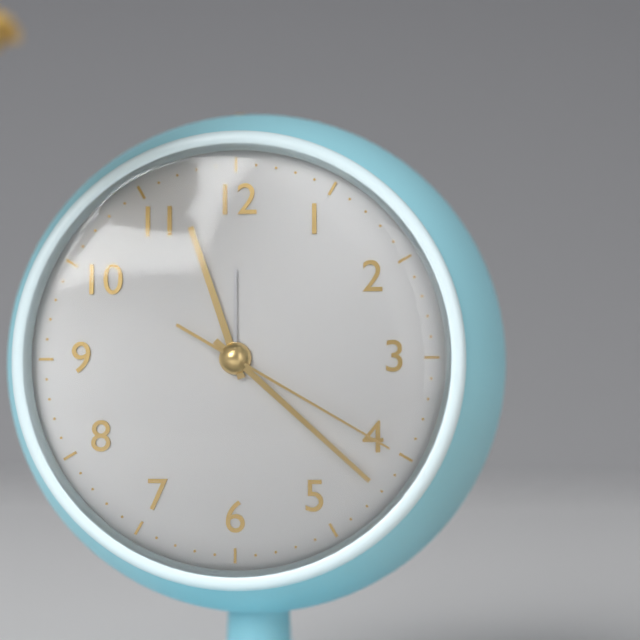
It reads 11h22m20s
